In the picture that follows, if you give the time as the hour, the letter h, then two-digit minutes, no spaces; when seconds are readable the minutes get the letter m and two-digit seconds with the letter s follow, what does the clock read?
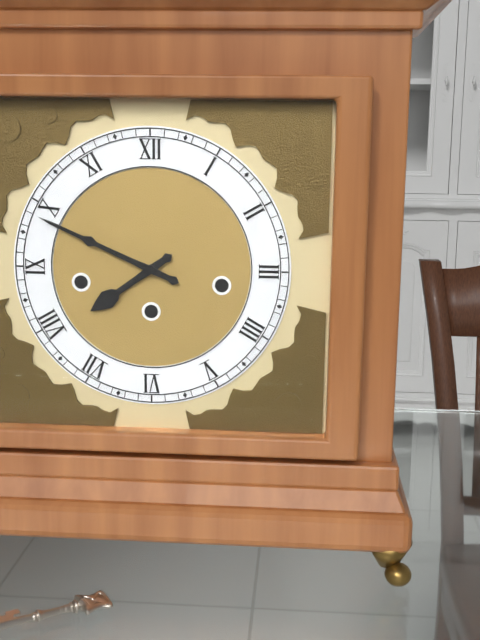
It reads 7h49
